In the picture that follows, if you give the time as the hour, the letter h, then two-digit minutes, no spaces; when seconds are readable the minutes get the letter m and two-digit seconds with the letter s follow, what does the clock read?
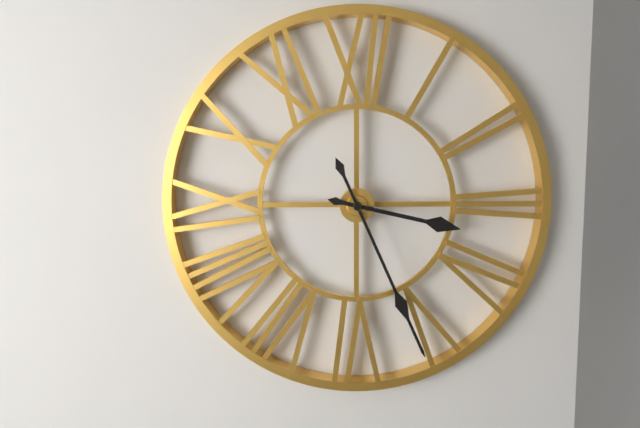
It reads 3h26
